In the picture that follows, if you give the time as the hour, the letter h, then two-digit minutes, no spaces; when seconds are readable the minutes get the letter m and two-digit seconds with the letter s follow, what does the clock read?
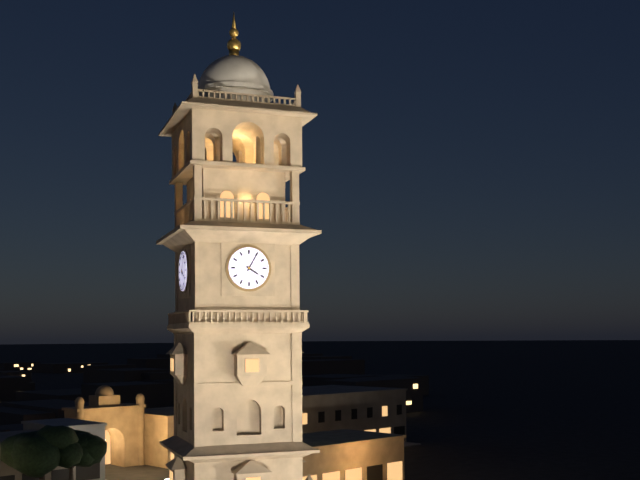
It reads 4h05
